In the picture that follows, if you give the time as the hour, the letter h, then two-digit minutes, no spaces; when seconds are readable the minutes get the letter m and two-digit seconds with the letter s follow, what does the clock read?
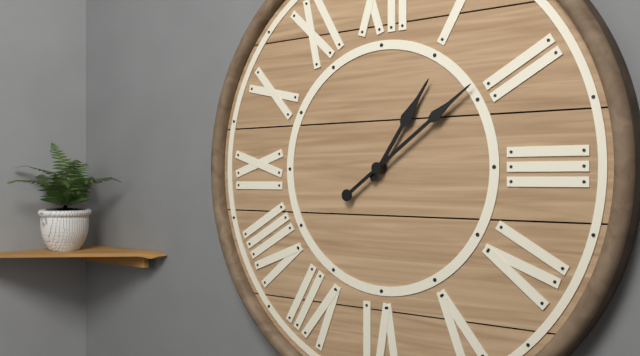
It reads 1h09
